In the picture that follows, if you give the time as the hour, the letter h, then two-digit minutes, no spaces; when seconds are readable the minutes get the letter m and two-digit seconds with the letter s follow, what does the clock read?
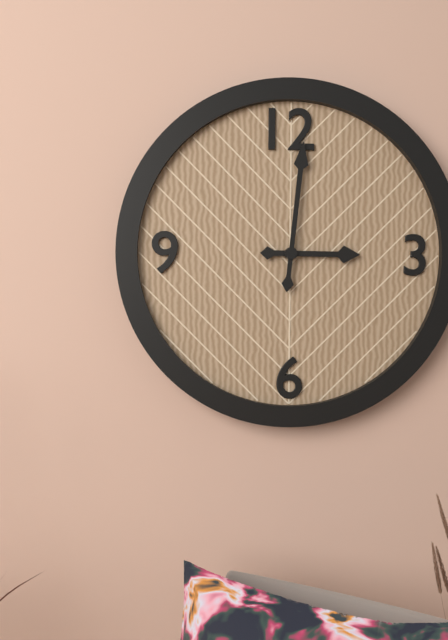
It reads 3h01
